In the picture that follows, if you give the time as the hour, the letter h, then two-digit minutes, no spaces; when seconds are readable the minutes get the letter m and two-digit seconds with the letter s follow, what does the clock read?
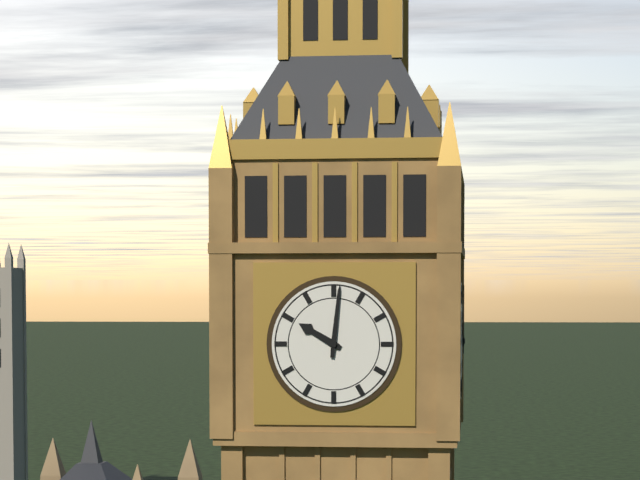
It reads 10h01
